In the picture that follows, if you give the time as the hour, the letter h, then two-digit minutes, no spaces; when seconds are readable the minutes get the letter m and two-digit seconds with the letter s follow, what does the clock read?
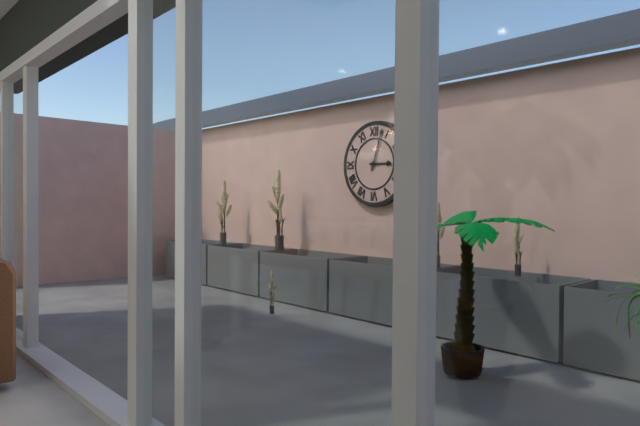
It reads 3h03
